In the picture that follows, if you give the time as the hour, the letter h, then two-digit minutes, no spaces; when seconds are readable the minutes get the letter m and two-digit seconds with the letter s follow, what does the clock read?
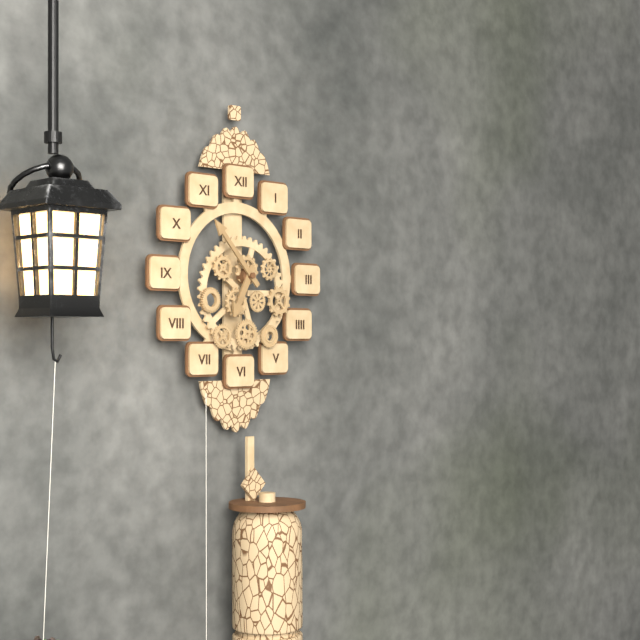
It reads 6h53
